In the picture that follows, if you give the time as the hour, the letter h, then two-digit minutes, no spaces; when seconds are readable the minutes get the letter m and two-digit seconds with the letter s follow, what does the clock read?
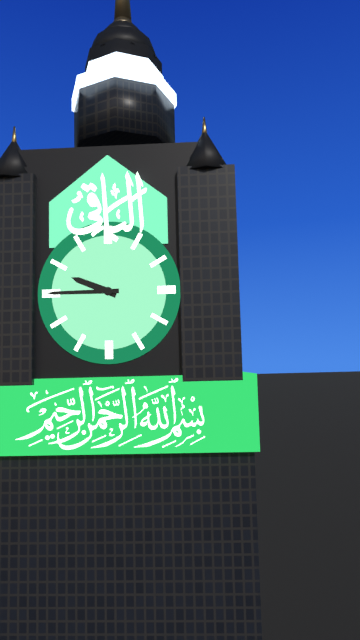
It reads 9h45
